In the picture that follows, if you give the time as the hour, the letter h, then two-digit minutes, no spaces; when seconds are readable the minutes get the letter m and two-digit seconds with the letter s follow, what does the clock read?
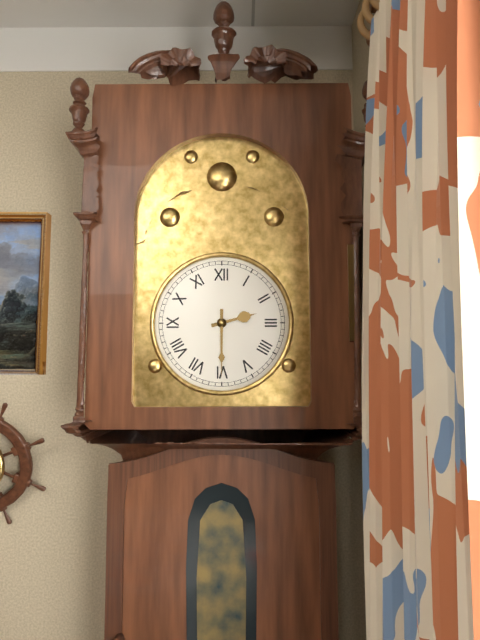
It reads 2h30
